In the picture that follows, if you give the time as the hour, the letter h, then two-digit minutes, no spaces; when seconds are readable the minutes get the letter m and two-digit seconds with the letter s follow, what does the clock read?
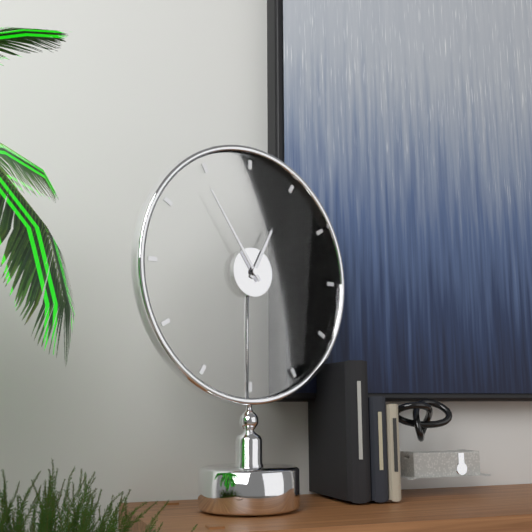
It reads 12h54
